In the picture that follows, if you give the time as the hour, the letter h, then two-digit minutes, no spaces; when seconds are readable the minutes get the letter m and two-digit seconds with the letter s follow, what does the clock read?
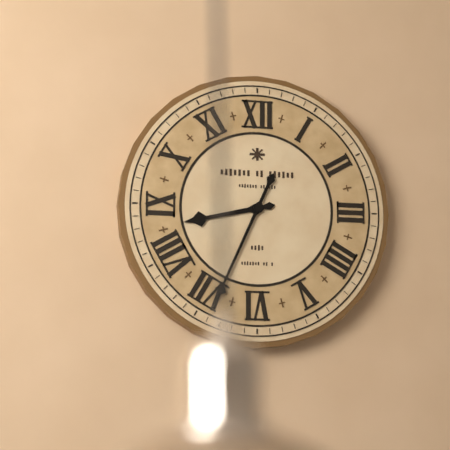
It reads 8h34
